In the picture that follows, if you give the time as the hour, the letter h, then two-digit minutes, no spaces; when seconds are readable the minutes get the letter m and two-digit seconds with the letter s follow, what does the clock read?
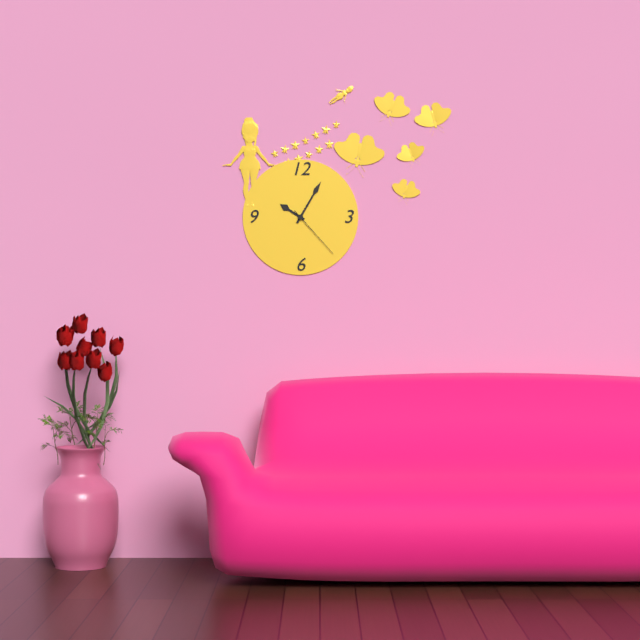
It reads 10h05m23s
